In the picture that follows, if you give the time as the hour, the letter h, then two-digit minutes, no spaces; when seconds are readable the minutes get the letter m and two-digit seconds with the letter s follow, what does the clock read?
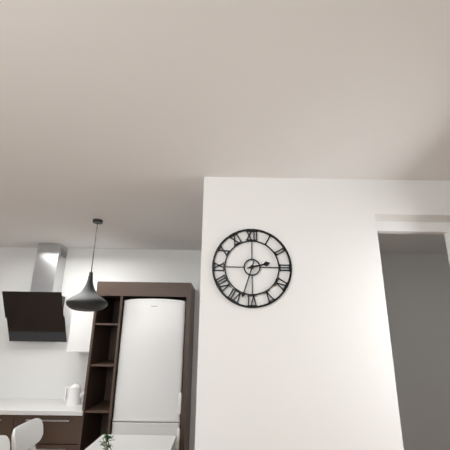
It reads 2h33
